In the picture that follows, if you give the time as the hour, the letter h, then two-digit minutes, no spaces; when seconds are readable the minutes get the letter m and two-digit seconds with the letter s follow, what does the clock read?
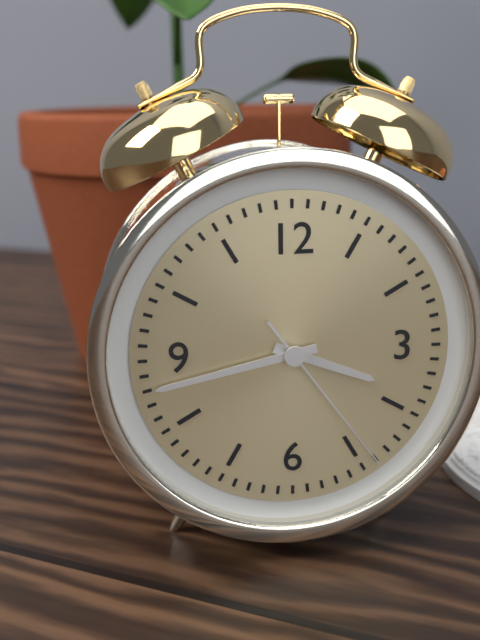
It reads 3h43m24s
